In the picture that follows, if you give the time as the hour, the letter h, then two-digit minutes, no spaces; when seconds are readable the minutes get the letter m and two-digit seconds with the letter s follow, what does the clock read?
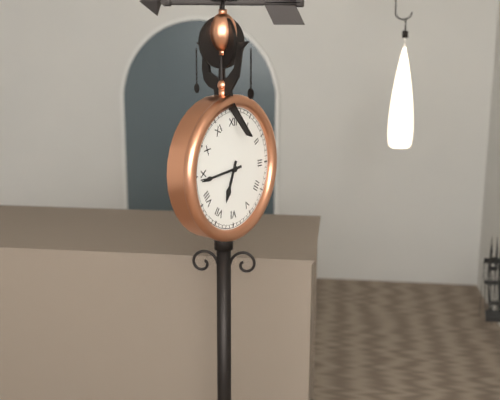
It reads 6h44
